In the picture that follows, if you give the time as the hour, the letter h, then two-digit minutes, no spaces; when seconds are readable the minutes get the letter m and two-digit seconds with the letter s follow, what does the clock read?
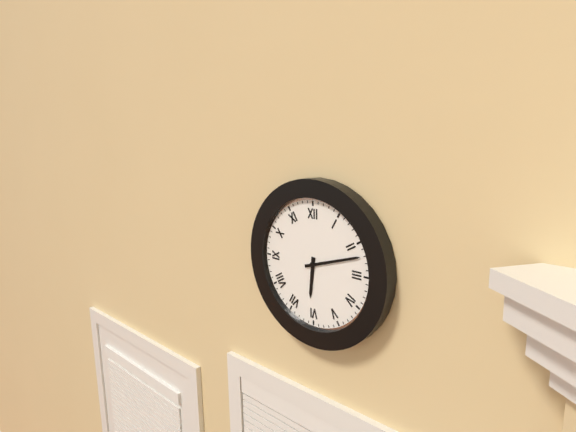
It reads 6h12
